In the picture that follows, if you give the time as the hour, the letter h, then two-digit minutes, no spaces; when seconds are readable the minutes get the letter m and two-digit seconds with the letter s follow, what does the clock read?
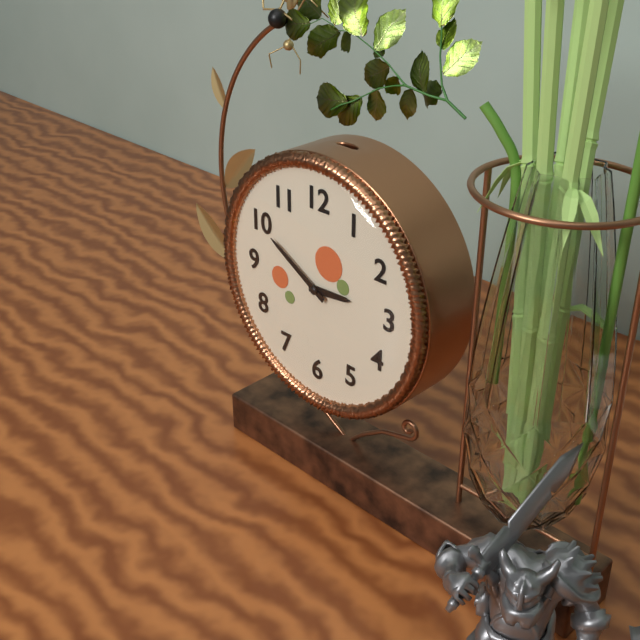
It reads 2h50
